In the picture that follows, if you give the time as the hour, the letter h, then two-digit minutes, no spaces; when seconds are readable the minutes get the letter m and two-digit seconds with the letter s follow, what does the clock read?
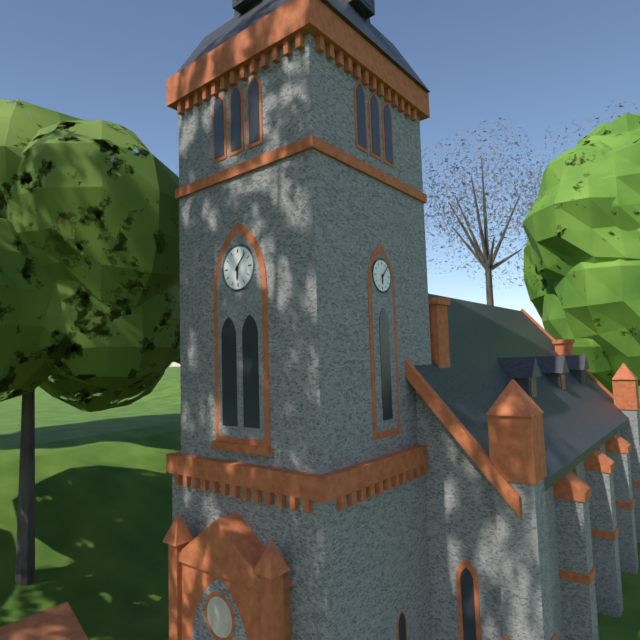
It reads 6h07
